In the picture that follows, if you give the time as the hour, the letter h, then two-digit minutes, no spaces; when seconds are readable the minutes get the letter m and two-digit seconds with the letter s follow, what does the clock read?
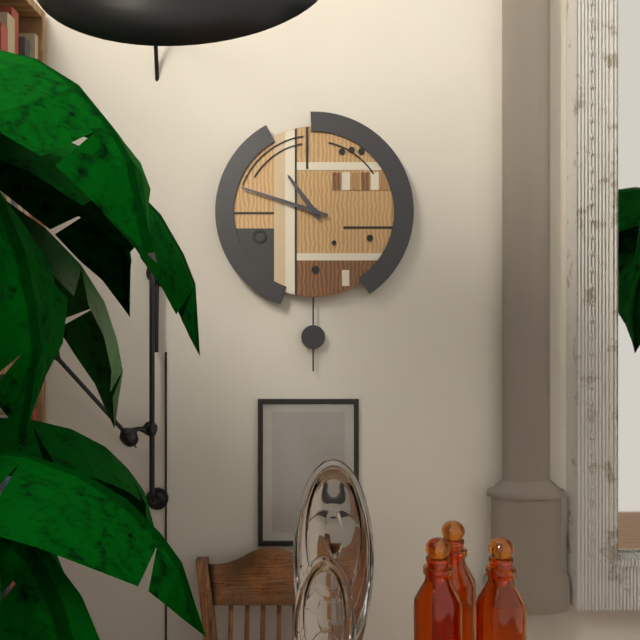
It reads 10h48
